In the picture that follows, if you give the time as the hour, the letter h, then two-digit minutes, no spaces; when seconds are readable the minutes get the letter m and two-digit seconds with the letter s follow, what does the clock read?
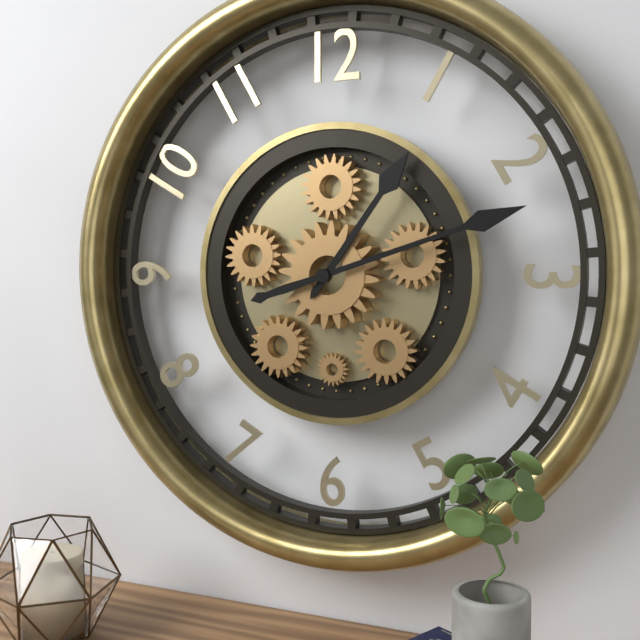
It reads 1h12
